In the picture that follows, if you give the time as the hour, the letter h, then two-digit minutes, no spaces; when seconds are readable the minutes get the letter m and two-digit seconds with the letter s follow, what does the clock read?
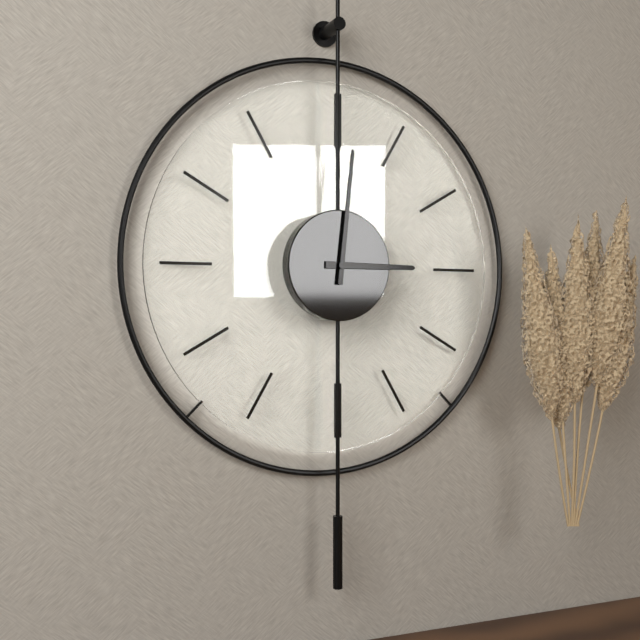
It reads 3h01
